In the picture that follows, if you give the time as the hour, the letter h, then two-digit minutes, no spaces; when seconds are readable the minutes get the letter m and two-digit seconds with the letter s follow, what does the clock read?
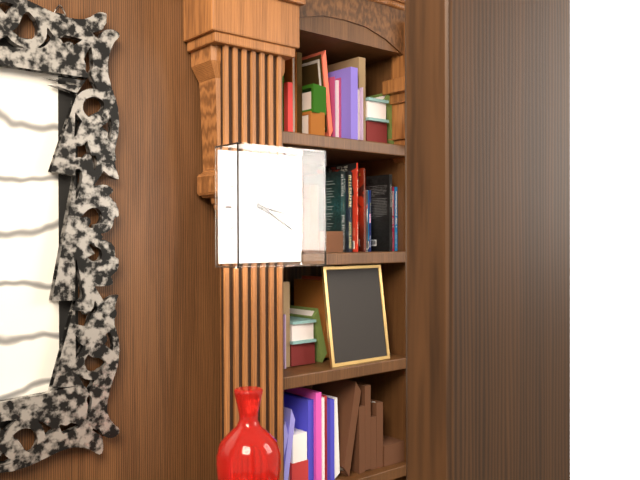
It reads 3h20
